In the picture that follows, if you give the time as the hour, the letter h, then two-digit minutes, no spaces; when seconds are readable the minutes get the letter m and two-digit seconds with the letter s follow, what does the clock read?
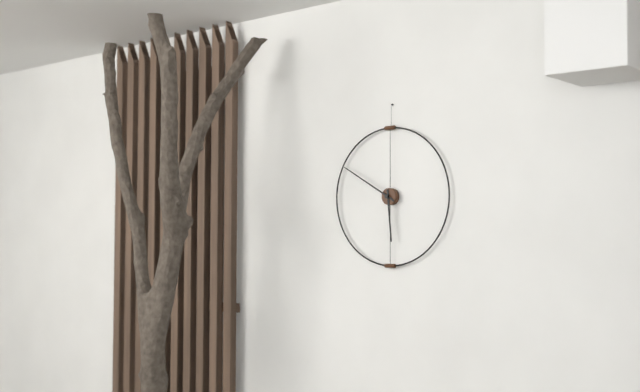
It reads 5h50
